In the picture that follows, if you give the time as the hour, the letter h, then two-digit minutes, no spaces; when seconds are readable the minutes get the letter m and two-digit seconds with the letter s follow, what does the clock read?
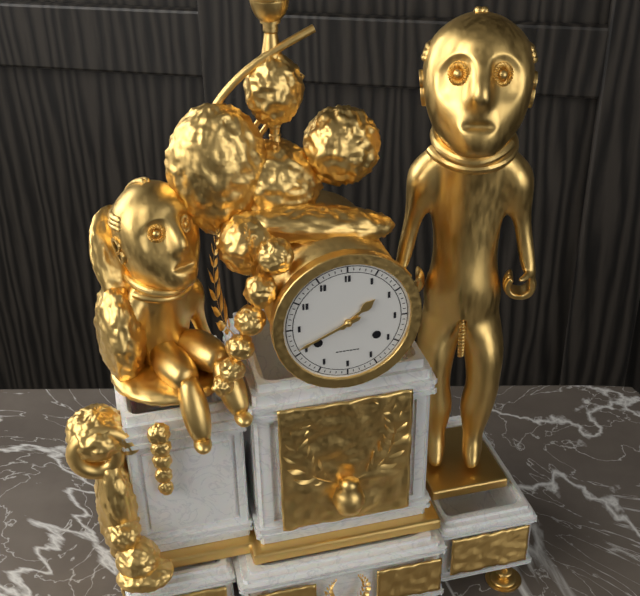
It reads 1h41
